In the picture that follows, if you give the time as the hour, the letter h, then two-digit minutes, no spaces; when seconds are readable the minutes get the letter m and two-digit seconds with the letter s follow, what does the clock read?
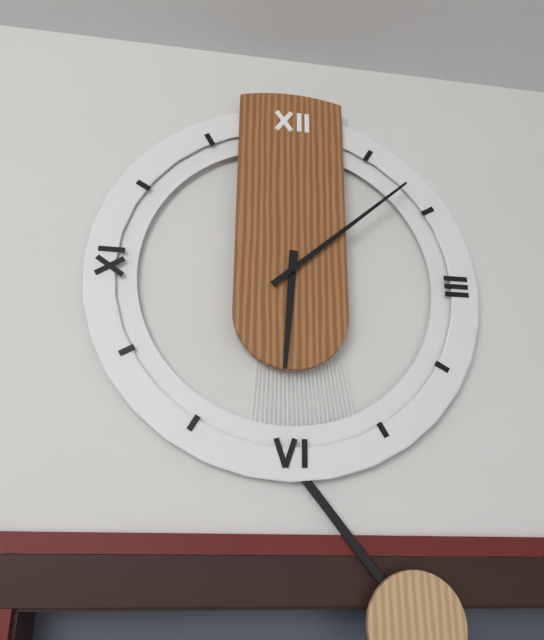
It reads 6h08
